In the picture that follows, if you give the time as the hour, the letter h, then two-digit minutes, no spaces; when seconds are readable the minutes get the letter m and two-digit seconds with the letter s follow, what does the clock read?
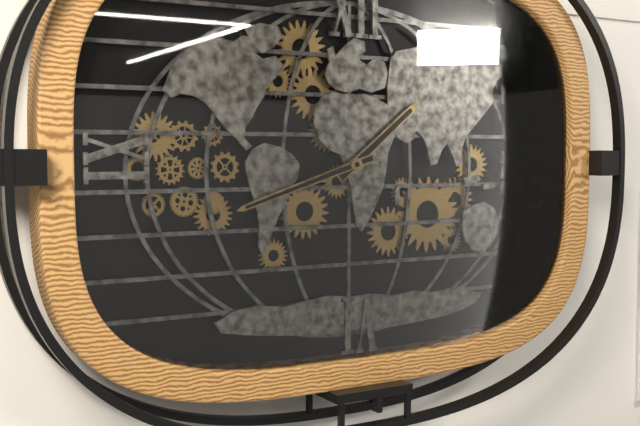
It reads 1h42
